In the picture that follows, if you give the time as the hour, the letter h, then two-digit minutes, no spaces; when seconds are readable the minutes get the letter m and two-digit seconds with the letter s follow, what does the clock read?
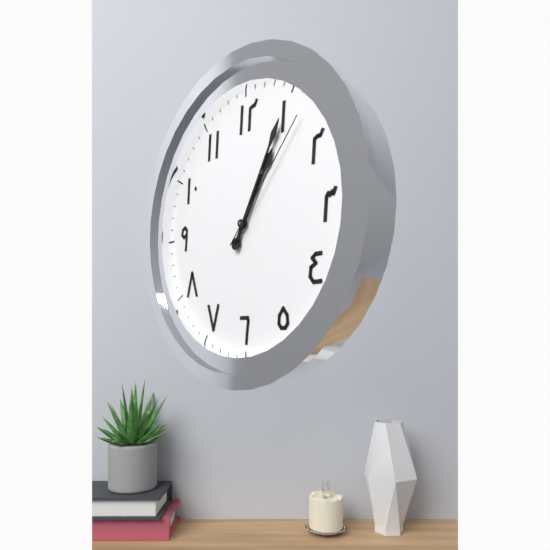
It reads 1h05m07s
